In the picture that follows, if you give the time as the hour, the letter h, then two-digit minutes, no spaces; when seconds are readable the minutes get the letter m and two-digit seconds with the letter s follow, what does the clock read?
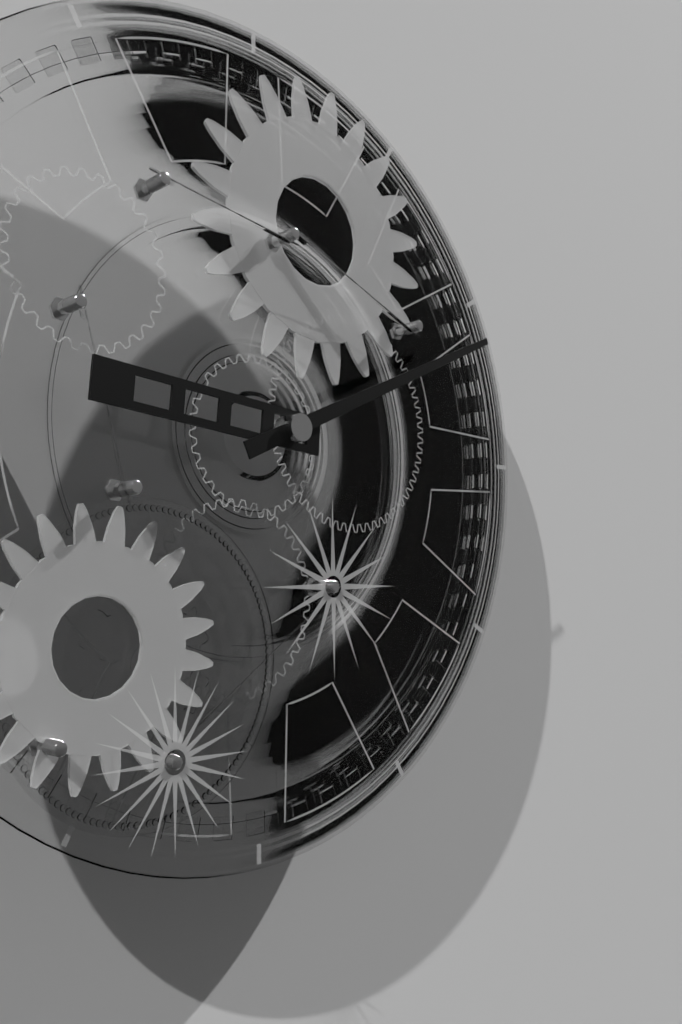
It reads 9h11
